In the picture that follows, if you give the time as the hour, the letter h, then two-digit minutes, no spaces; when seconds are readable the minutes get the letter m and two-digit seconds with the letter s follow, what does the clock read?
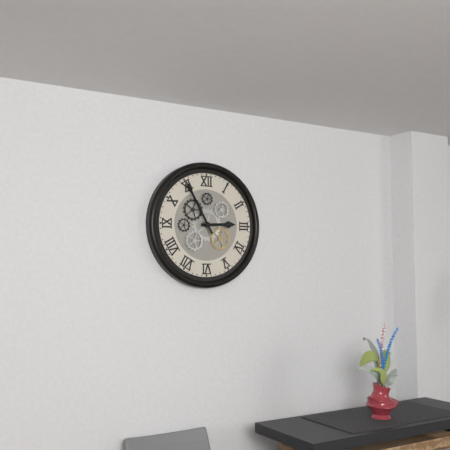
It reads 2h55
